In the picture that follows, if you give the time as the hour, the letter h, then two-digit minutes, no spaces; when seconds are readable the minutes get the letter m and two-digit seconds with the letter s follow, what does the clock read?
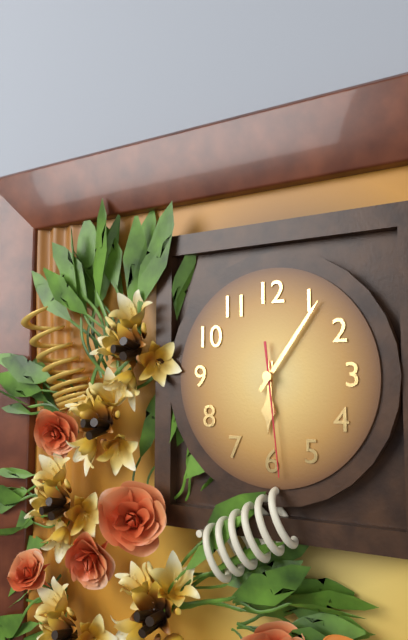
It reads 6h06m29s
